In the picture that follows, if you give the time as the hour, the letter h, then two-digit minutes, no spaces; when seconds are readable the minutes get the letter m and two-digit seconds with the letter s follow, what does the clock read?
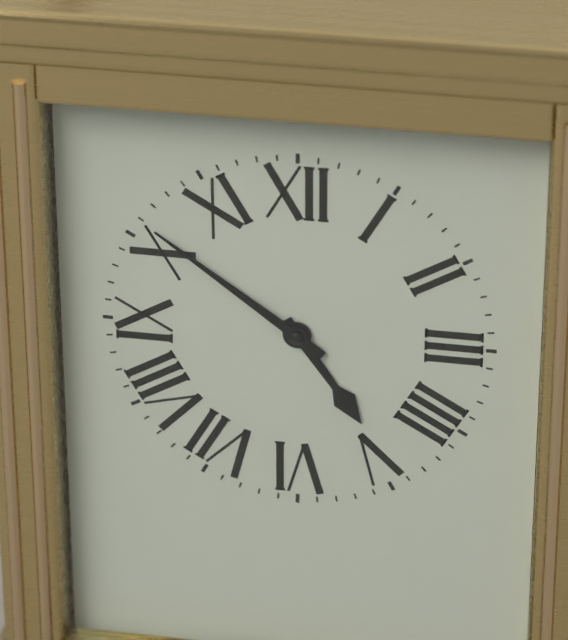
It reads 4h51
